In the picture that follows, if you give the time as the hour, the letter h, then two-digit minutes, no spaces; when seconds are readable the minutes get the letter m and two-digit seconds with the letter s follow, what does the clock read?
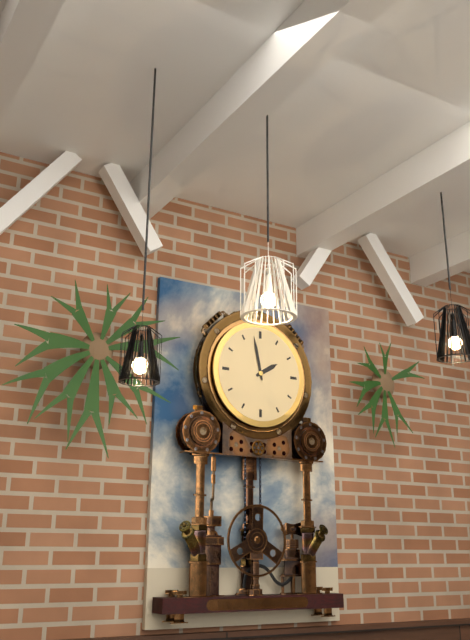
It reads 1h58
